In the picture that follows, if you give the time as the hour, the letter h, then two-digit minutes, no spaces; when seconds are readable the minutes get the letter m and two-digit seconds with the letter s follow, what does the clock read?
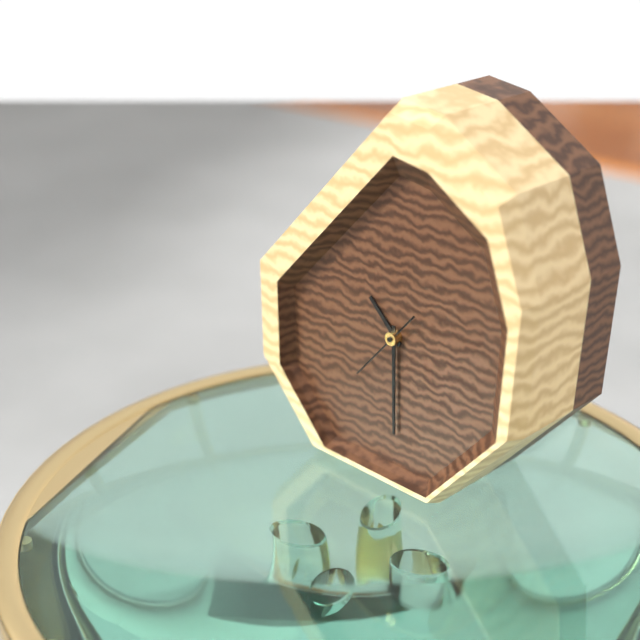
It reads 10h30m37s
